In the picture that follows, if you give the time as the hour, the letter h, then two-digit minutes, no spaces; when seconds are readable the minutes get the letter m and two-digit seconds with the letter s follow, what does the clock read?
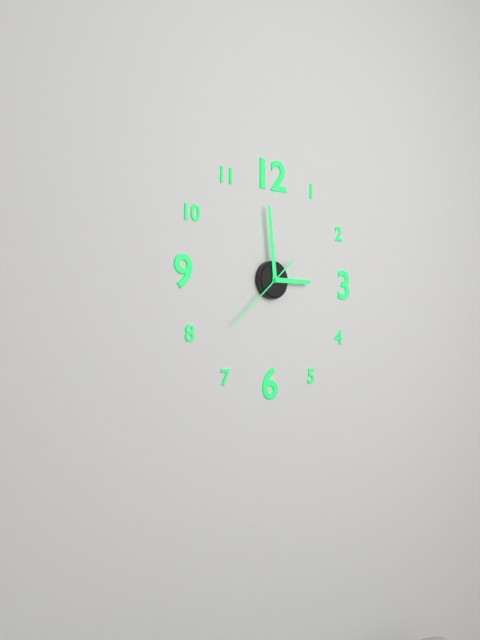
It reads 2h59m38s
